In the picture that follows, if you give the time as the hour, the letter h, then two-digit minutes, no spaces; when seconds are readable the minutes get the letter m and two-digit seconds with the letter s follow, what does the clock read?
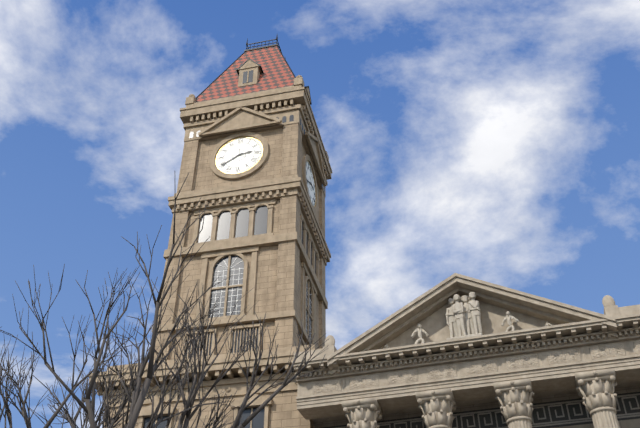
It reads 2h40
